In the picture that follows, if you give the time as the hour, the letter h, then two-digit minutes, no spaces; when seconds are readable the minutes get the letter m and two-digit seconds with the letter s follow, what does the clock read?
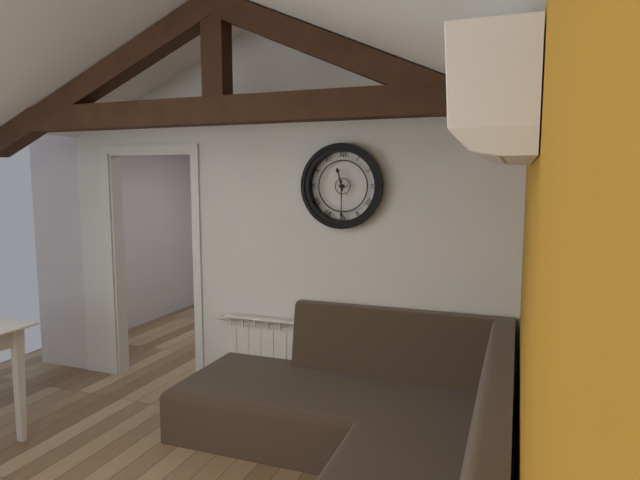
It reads 11h30
